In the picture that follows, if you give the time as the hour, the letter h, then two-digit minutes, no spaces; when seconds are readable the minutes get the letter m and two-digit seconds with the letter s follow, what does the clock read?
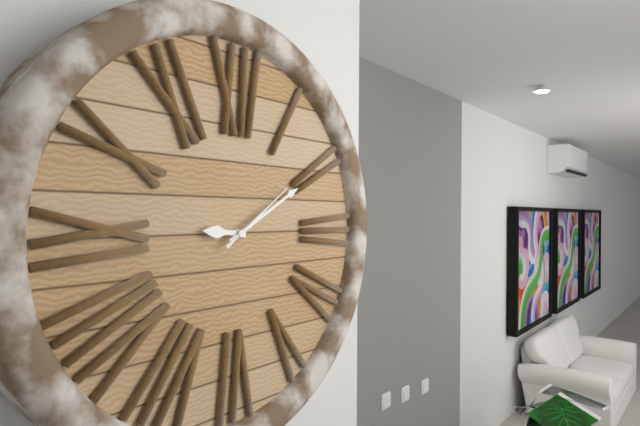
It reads 9h10m09s
